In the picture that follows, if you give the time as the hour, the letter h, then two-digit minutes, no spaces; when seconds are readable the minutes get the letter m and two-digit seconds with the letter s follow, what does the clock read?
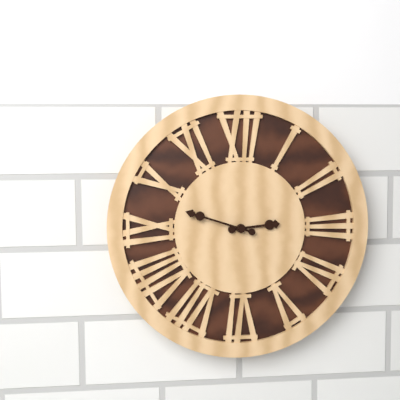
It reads 2h48
